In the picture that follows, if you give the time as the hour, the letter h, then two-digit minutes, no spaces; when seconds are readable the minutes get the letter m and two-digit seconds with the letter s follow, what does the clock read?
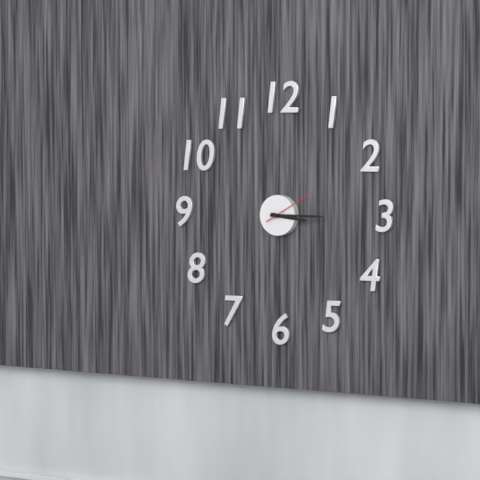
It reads 3h15m10s
